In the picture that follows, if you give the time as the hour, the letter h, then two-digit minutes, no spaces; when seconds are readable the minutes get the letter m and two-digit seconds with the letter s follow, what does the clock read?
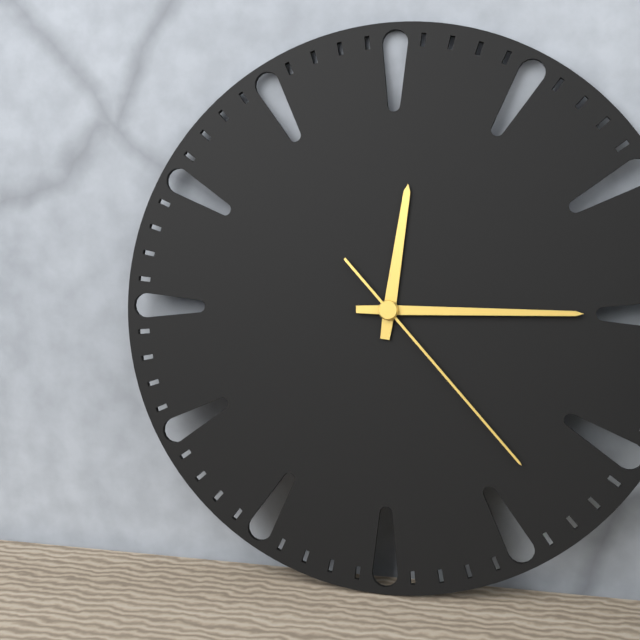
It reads 12h15m23s
